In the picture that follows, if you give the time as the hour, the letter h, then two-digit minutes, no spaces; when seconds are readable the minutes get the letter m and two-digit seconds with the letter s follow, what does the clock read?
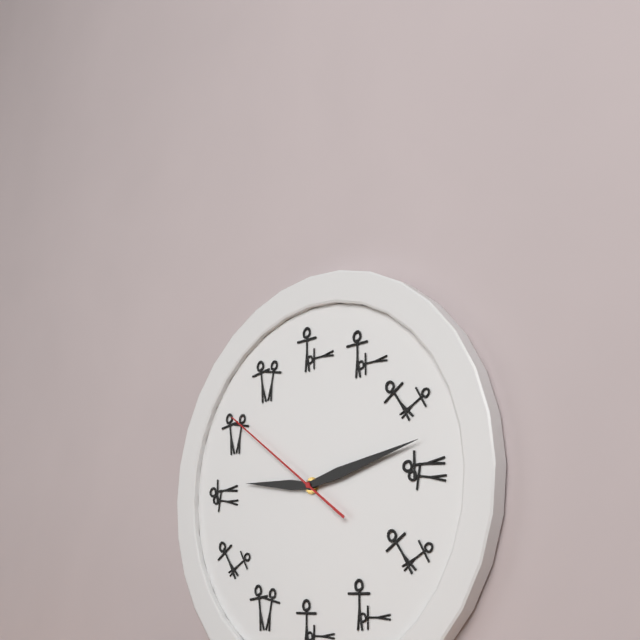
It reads 9h13m51s
